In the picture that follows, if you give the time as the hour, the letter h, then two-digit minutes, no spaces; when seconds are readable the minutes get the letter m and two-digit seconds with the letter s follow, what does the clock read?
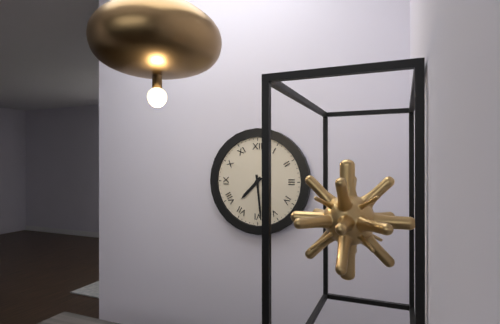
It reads 7h29
